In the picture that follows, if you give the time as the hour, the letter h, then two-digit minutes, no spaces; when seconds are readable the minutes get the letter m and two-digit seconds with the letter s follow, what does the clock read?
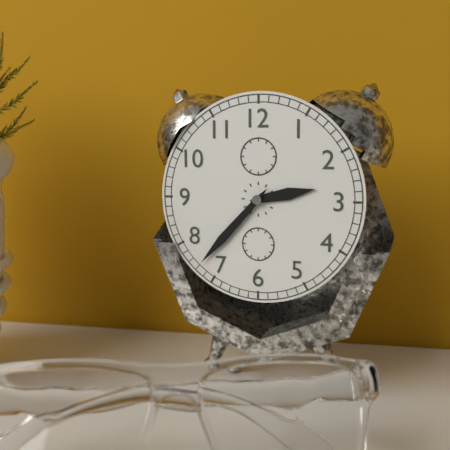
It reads 2h37
